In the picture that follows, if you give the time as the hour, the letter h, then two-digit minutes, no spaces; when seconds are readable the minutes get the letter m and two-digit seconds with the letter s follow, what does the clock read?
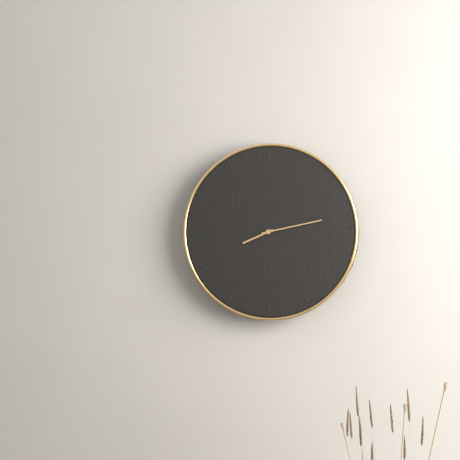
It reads 8h13
